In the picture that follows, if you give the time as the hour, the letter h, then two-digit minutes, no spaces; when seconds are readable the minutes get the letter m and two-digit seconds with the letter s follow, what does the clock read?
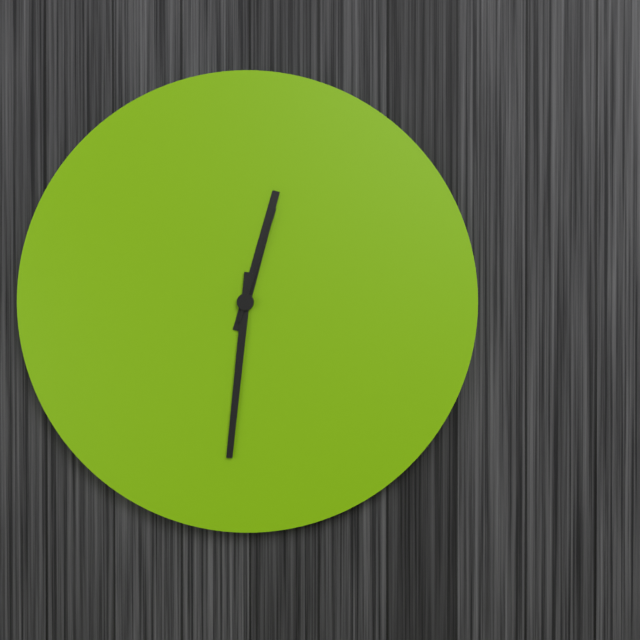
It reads 12h31m03s
